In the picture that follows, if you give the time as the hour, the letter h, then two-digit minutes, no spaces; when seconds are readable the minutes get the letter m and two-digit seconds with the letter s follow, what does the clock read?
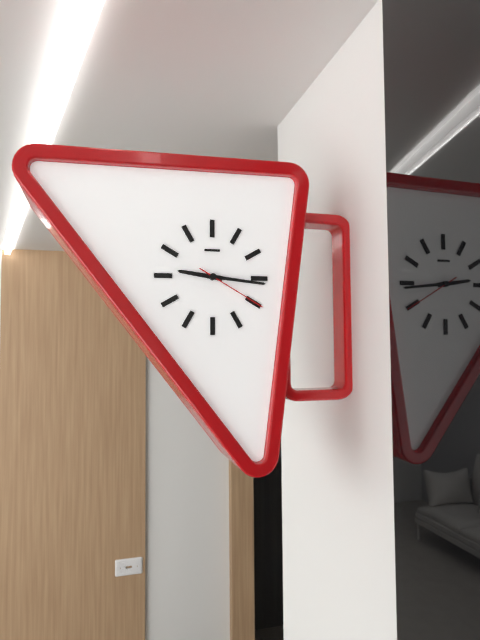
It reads 9h16m20s
